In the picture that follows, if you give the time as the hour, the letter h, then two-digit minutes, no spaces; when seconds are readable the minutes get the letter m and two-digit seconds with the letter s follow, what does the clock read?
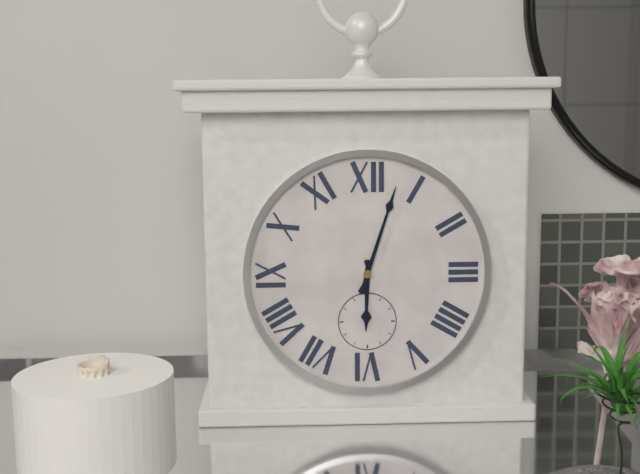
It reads 6h03
